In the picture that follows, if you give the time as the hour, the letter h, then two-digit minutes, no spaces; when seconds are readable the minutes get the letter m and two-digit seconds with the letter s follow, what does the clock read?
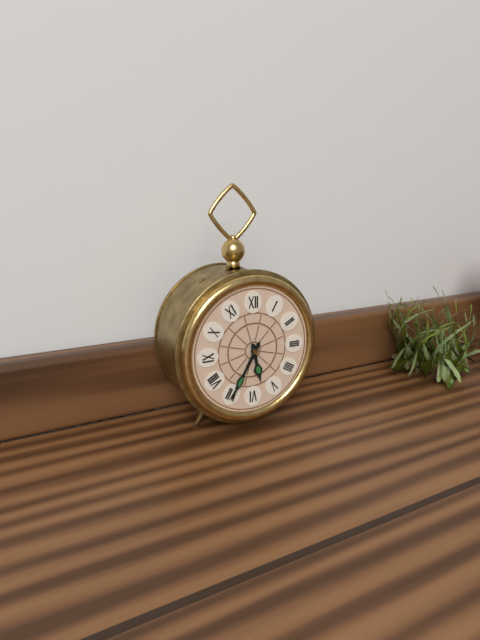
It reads 5h35
